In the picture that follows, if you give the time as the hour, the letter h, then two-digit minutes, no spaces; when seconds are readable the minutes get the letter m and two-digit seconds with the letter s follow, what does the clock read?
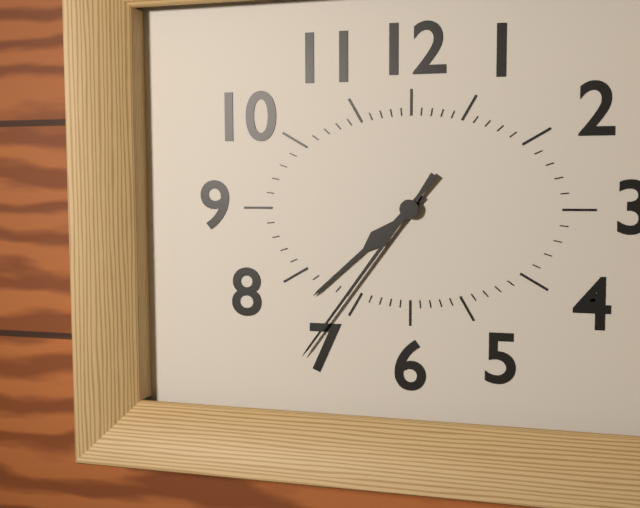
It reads 7h36
